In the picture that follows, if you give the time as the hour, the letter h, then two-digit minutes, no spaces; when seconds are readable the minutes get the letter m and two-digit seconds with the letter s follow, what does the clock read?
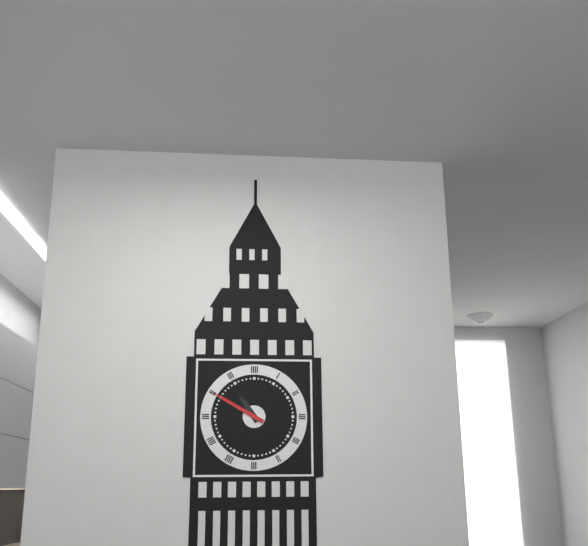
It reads 10h50
